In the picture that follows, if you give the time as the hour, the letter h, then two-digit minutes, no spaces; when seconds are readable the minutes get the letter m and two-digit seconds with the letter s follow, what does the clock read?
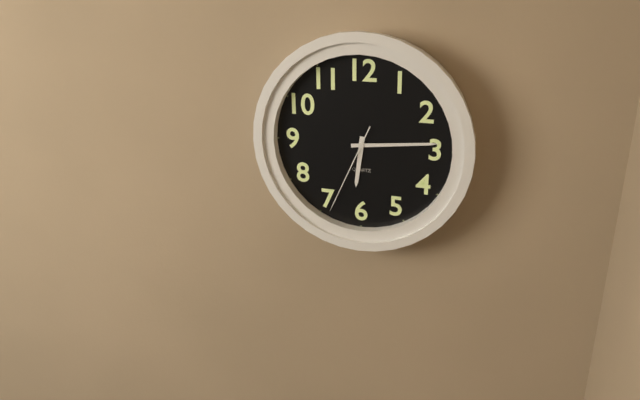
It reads 6h14m34s
